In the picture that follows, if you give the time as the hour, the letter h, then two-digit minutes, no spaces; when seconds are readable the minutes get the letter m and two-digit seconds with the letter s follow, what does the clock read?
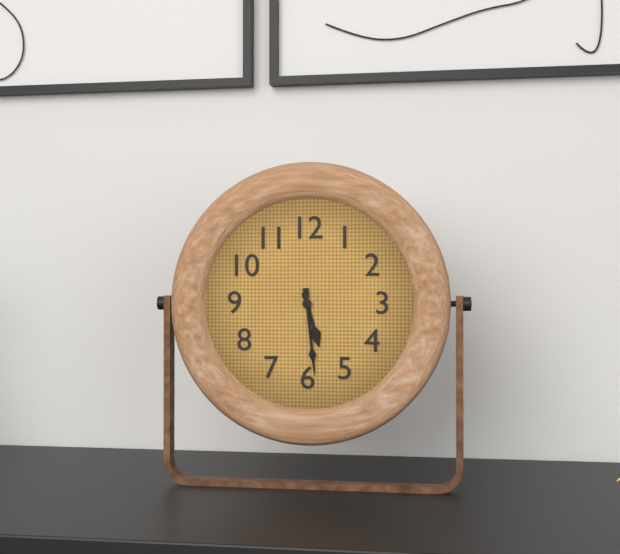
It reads 5h29
